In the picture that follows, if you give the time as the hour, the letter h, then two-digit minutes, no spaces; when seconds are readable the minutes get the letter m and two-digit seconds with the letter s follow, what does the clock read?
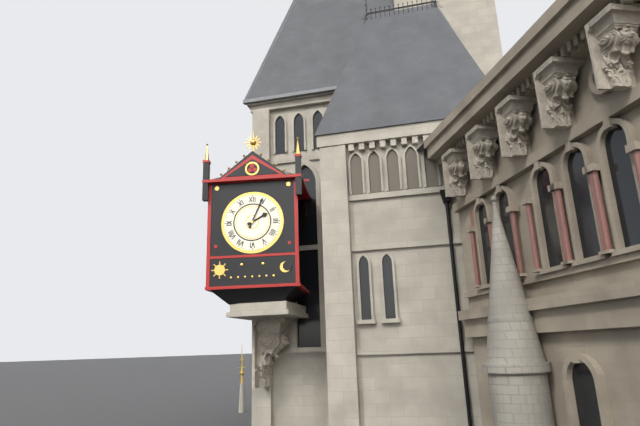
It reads 2h04
